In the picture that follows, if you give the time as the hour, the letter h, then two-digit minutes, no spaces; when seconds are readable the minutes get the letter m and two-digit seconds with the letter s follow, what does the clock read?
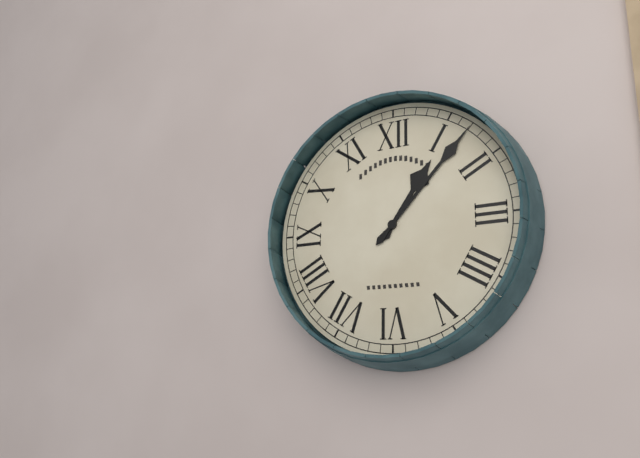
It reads 1h07
